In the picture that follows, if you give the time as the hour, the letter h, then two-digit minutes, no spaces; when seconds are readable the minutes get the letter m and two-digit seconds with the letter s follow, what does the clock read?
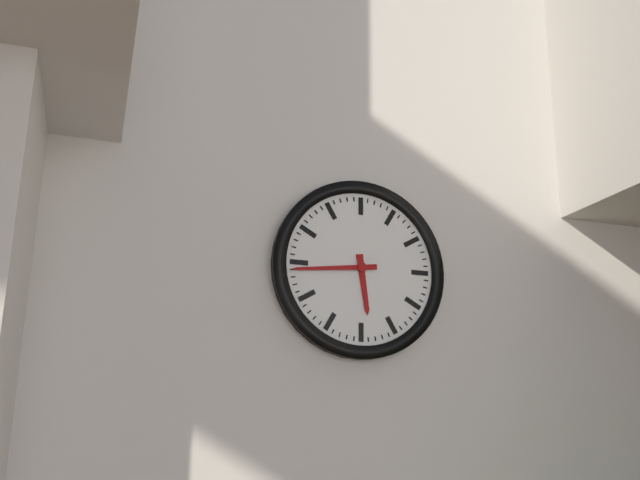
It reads 5h44
